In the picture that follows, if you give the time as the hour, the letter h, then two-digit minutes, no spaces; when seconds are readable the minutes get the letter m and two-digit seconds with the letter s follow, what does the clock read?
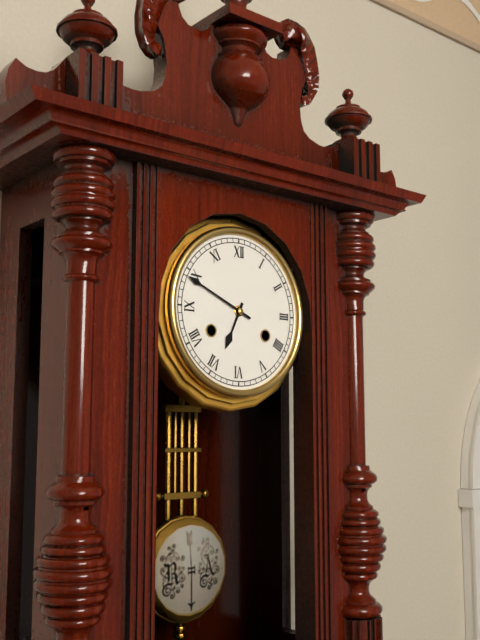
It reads 6h49
